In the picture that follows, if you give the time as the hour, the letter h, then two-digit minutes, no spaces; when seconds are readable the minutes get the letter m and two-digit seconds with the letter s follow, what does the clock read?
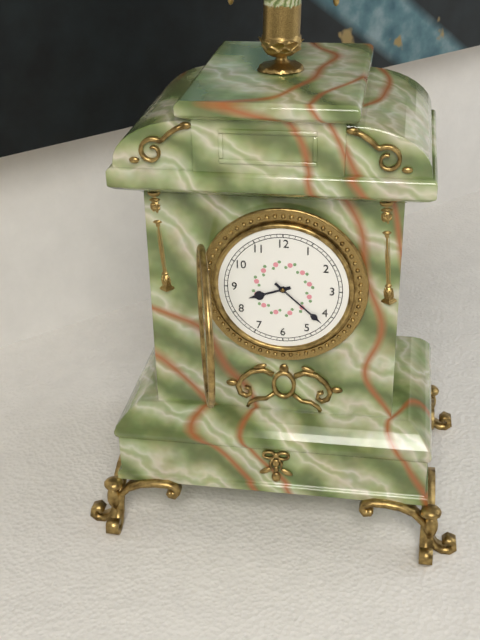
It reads 8h22
